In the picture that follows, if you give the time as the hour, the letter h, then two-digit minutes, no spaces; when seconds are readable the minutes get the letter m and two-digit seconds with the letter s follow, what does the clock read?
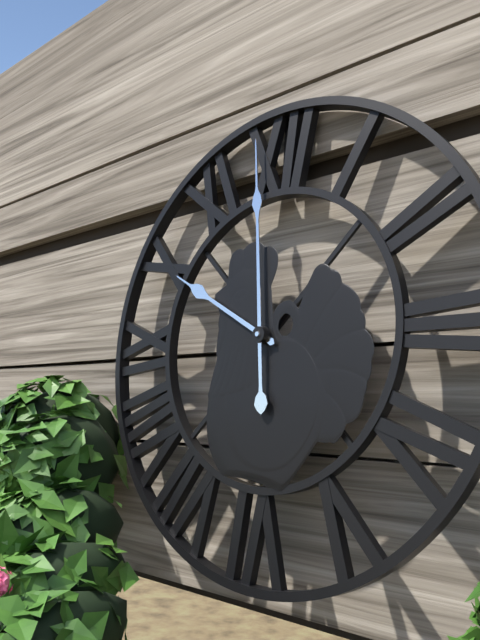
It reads 9h59
